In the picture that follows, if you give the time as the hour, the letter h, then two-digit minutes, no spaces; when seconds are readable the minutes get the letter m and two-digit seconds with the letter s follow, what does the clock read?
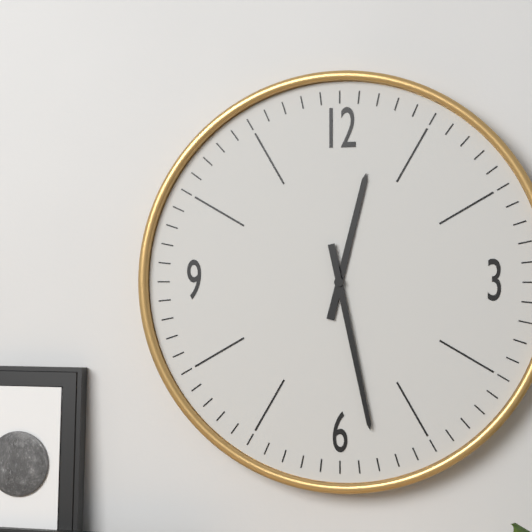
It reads 12h28
